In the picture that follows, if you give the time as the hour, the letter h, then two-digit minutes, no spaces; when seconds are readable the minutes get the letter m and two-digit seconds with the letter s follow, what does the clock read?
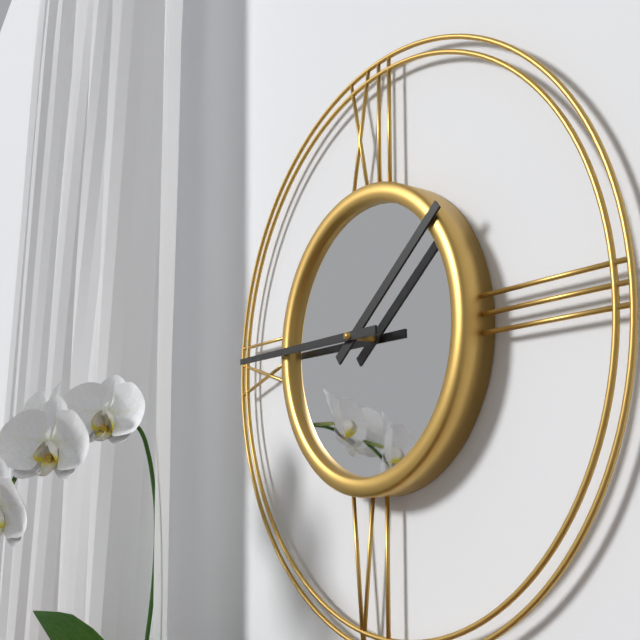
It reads 1h45
